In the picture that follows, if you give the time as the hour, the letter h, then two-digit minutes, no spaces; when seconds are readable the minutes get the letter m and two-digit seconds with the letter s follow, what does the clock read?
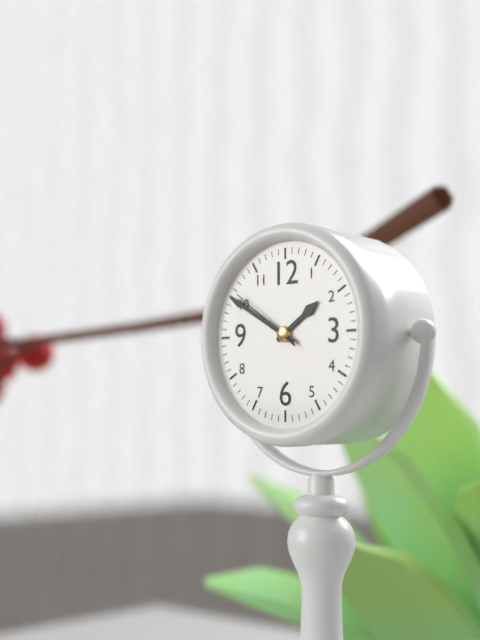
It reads 1h50m51s
